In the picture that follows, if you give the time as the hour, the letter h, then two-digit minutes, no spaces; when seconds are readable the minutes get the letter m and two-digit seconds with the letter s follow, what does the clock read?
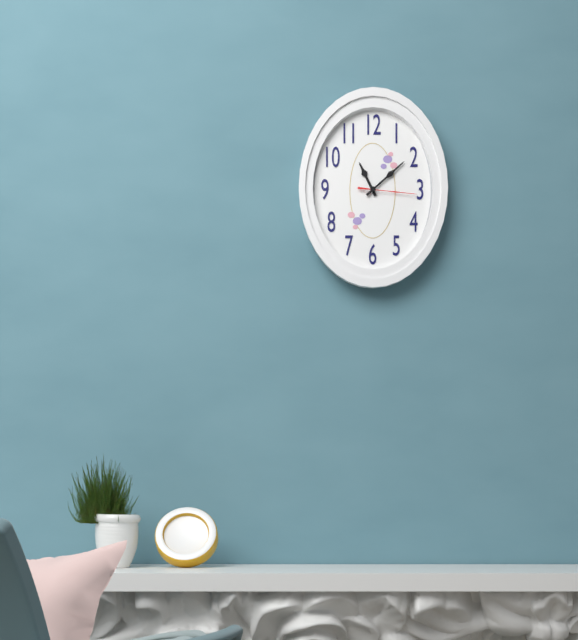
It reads 11h08m16s
